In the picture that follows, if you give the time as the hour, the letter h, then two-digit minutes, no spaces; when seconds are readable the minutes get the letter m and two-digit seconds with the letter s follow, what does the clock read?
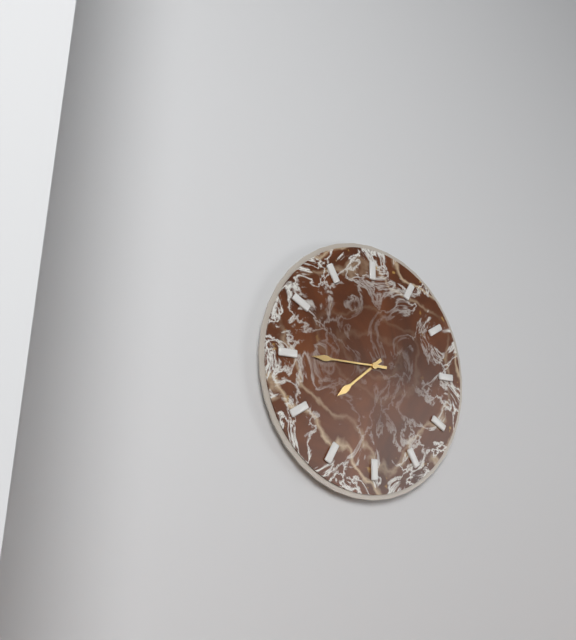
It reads 7h45
